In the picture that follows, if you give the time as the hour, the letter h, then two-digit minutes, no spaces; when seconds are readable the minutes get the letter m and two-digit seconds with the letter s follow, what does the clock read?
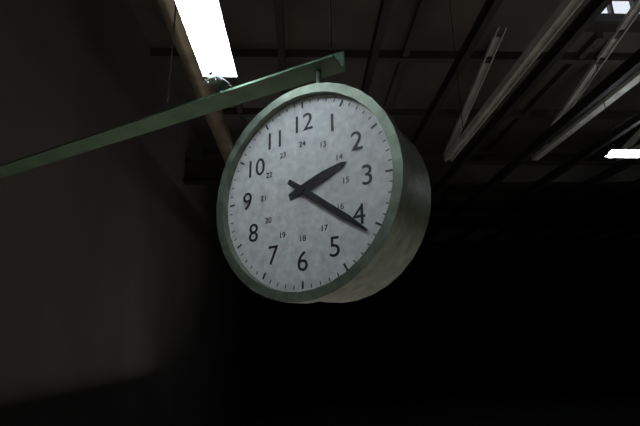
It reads 2h21
